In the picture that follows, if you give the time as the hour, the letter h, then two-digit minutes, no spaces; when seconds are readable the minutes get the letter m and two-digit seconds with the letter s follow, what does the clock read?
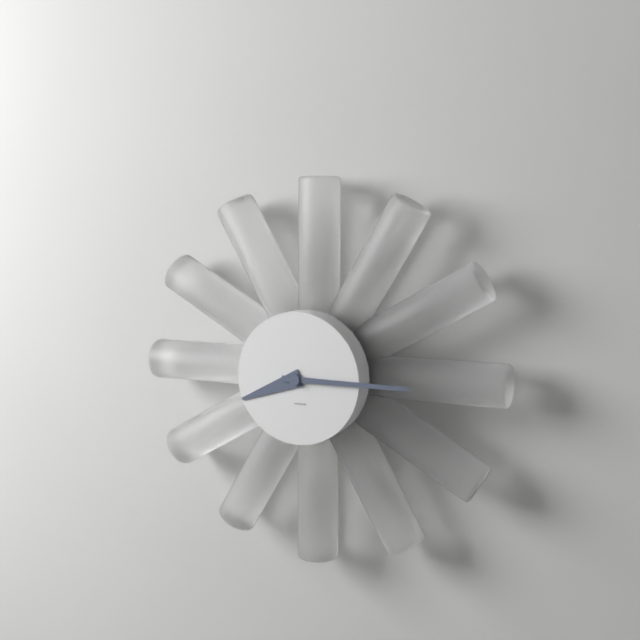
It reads 8h15
